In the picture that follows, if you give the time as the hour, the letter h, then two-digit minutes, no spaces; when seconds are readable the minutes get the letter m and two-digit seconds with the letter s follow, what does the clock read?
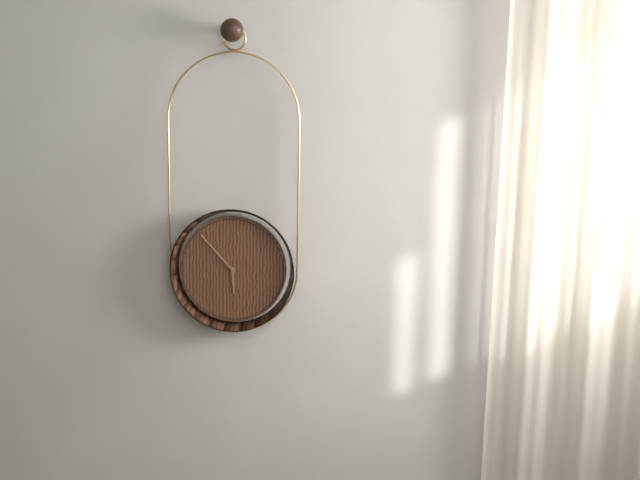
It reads 5h53
